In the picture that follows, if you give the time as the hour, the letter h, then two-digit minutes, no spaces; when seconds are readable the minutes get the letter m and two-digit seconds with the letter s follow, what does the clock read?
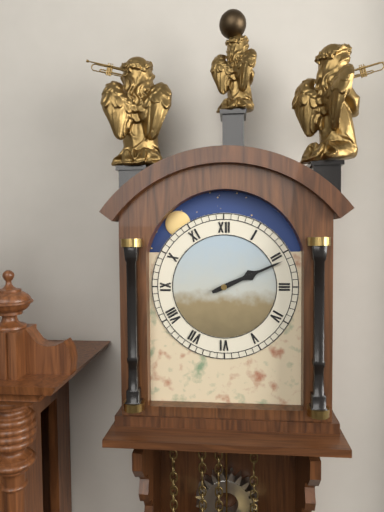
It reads 2h11
